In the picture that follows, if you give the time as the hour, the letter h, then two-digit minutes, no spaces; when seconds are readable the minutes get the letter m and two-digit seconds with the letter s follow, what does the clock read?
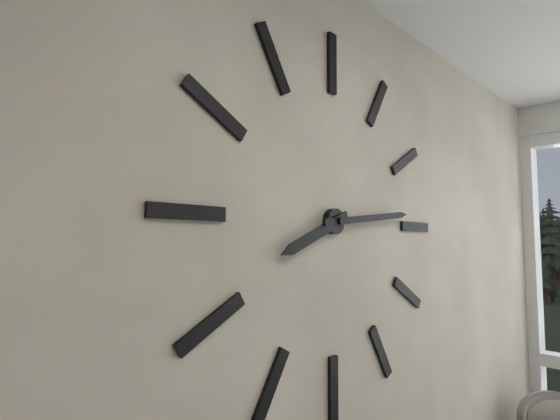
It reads 8h14
